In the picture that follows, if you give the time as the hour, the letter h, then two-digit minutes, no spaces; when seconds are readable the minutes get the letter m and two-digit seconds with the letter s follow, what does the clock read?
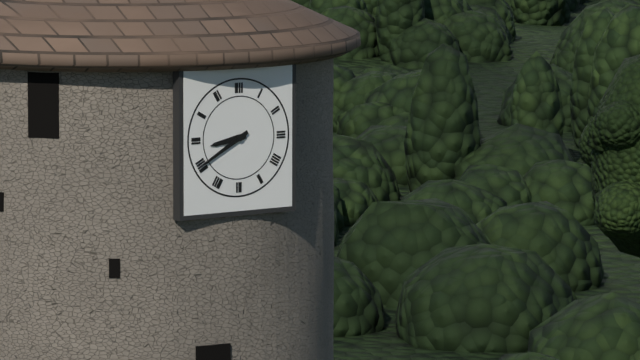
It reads 8h40
